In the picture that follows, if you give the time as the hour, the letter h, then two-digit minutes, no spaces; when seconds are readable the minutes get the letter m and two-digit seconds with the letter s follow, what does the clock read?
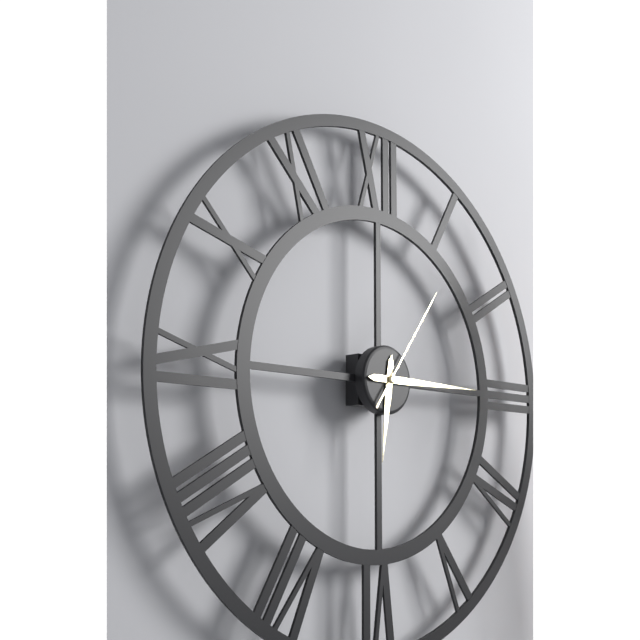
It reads 6h15m06s
